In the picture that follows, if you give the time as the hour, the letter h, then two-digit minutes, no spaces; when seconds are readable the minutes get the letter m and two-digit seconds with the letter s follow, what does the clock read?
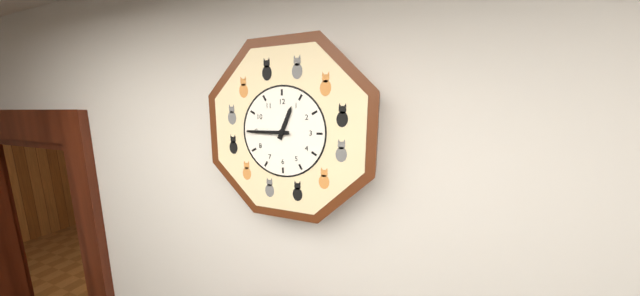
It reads 12h45
